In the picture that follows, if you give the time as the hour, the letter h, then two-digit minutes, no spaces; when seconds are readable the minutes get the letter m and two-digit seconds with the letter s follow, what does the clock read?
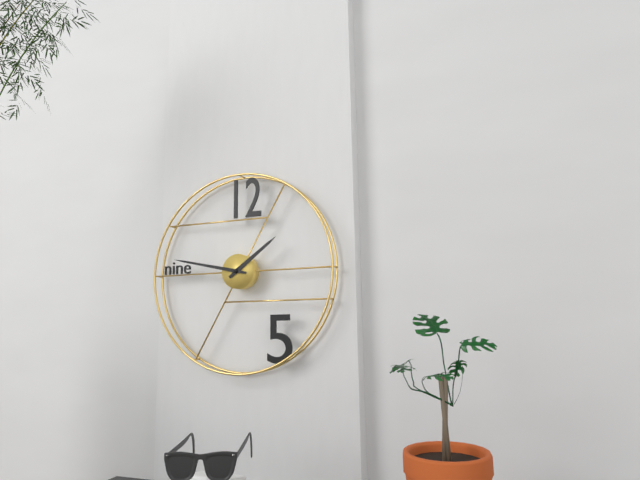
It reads 1h47
